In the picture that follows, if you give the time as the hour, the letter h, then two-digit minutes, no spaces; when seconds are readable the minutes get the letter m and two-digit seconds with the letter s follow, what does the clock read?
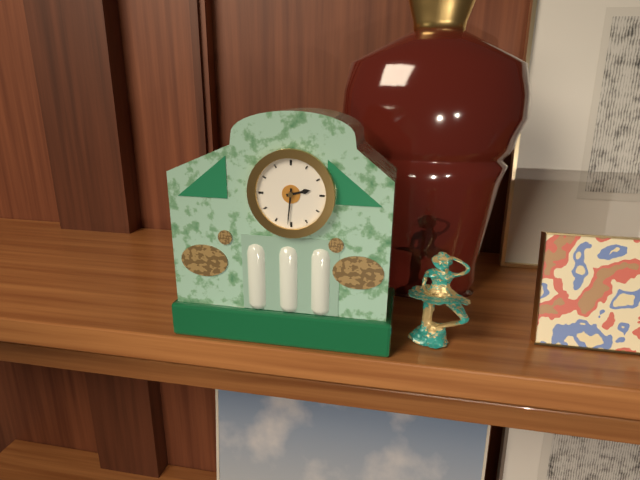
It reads 2h31
